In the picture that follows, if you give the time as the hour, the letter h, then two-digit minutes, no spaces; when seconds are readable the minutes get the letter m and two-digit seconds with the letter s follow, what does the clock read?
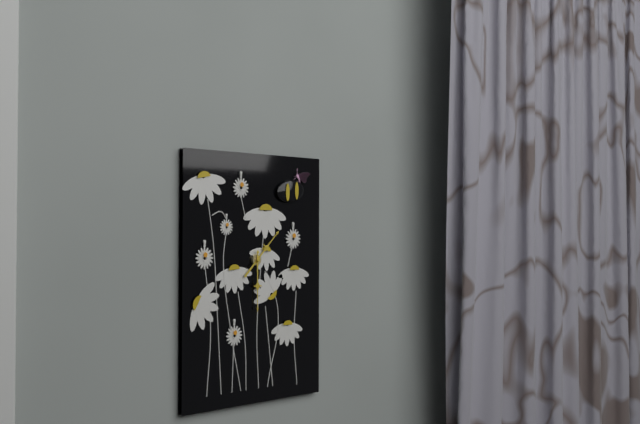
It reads 1h30
